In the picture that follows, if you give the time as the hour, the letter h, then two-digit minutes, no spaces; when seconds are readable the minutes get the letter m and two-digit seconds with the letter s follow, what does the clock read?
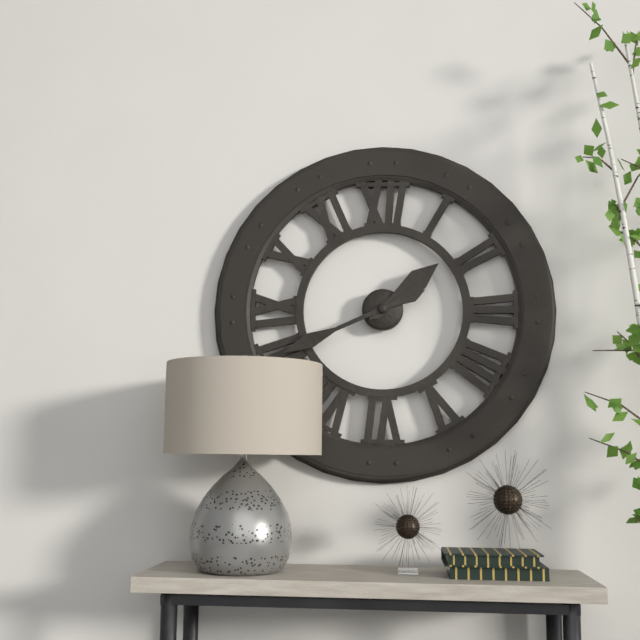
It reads 1h41
